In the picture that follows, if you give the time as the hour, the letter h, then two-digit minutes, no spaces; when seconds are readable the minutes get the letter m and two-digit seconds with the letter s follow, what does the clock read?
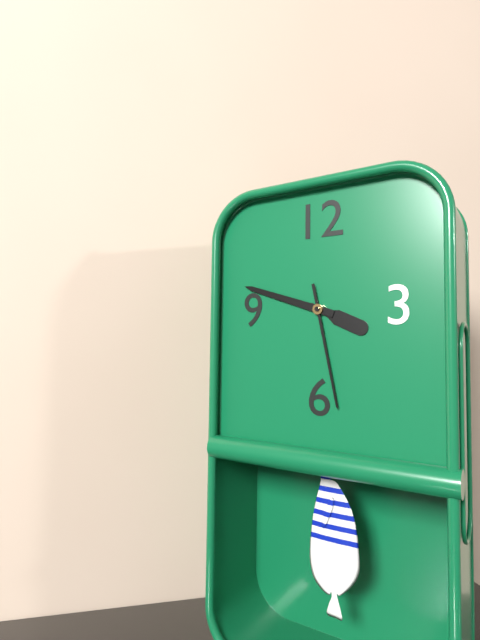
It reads 3h48m28s
